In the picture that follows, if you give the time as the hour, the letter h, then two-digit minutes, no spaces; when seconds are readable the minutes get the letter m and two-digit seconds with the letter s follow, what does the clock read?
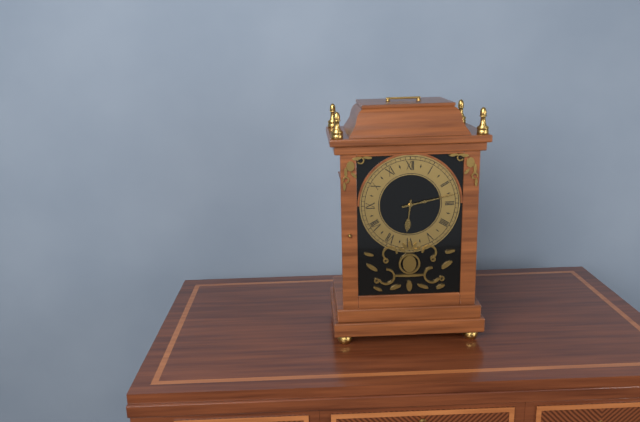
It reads 6h13
